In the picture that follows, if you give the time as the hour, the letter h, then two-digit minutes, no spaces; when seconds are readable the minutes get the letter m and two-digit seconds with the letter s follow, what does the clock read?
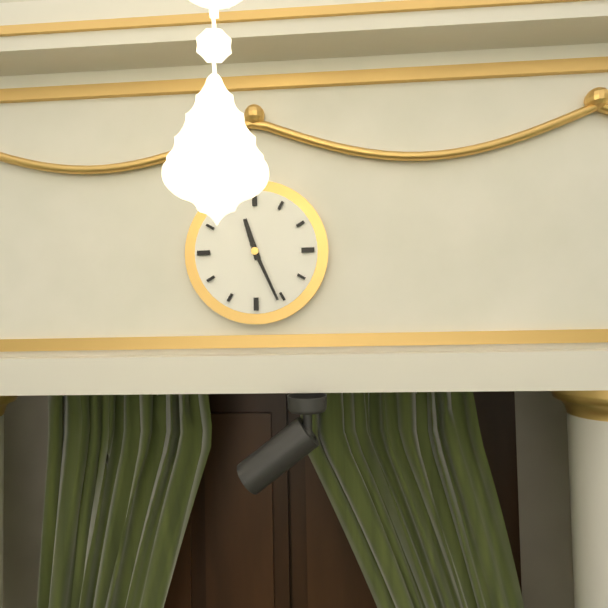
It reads 11h26
